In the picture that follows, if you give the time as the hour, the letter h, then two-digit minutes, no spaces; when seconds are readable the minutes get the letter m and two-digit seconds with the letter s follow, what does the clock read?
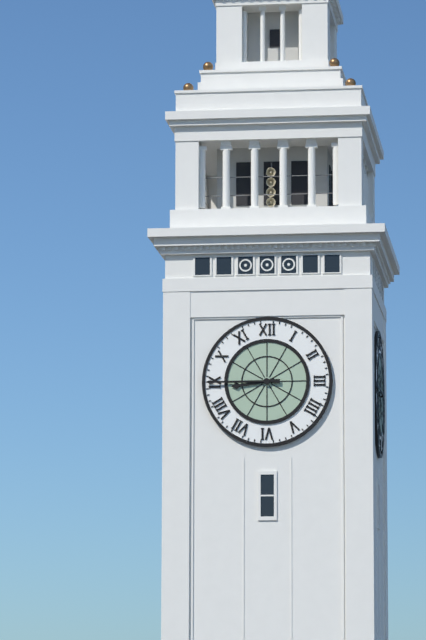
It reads 8h45
